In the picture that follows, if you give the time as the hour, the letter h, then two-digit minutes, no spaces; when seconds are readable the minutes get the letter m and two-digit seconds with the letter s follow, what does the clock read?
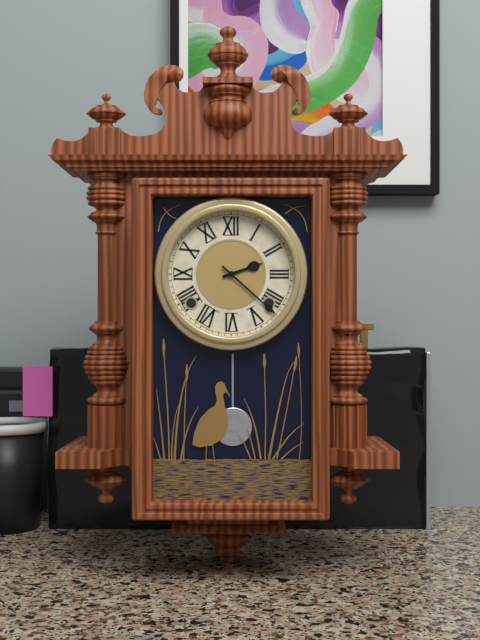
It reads 2h22
